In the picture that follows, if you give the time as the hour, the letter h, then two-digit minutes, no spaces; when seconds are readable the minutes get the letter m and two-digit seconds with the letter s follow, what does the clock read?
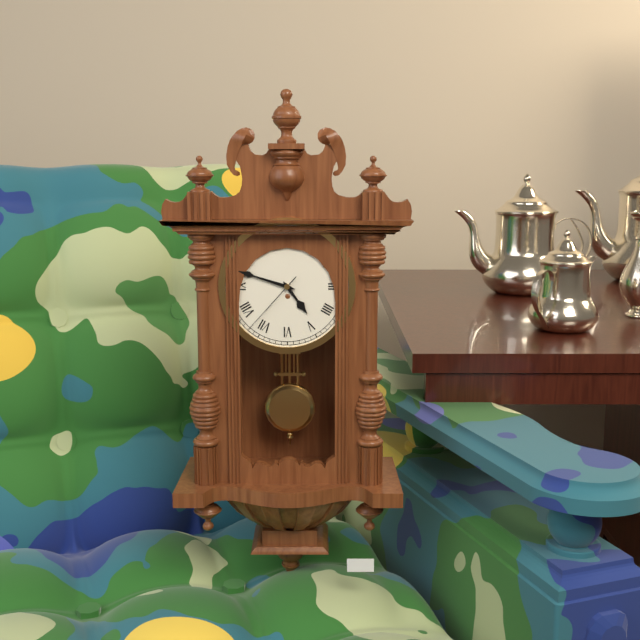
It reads 4h48m37s
